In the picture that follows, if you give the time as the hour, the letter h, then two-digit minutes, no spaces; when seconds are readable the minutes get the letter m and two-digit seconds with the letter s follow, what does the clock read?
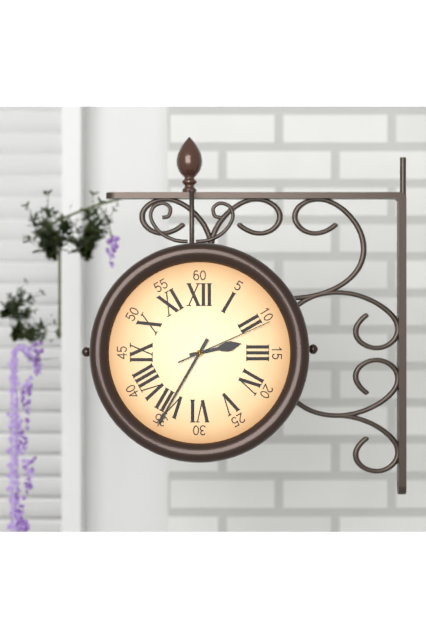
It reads 2h35m11s
